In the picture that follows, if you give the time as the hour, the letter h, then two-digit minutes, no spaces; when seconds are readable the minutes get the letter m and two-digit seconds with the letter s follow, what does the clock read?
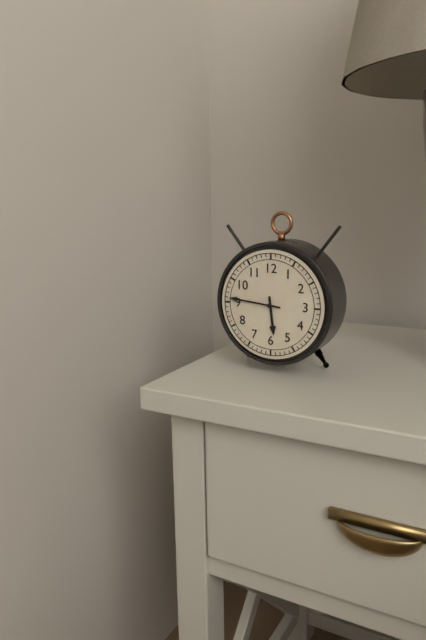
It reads 5h46
